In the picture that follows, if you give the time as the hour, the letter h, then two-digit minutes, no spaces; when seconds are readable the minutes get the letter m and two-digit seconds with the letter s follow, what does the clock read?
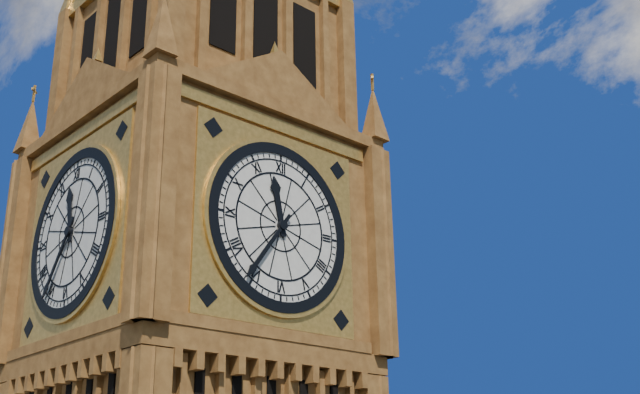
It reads 11h36
